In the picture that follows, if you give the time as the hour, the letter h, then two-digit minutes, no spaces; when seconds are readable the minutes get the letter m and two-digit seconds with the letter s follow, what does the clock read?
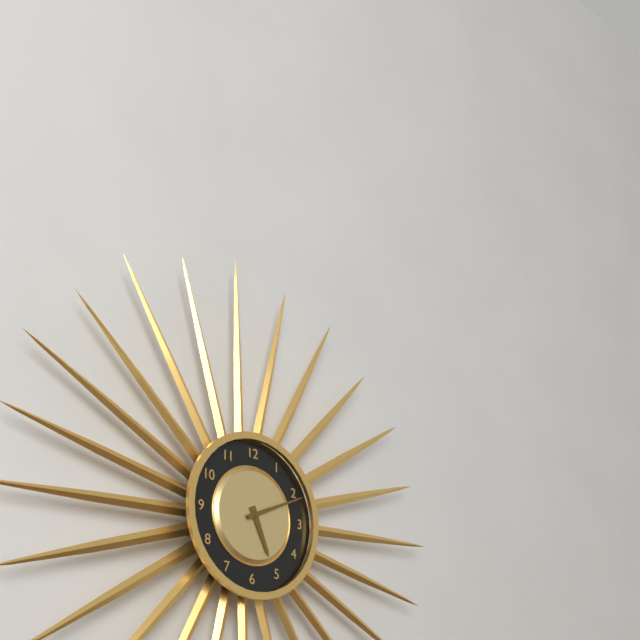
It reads 5h11
